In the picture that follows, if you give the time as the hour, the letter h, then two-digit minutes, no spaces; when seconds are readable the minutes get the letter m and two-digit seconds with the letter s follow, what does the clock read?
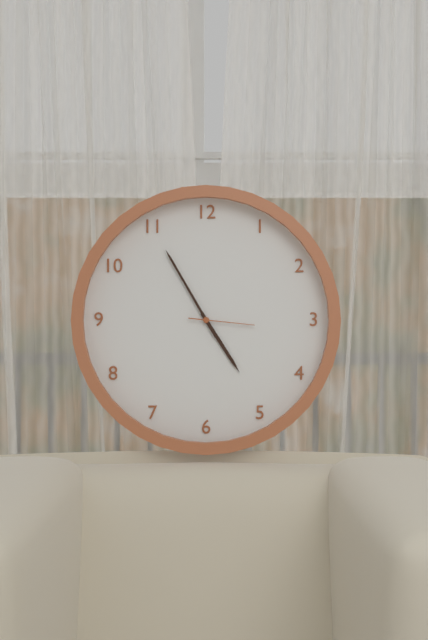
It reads 4h55m16s
